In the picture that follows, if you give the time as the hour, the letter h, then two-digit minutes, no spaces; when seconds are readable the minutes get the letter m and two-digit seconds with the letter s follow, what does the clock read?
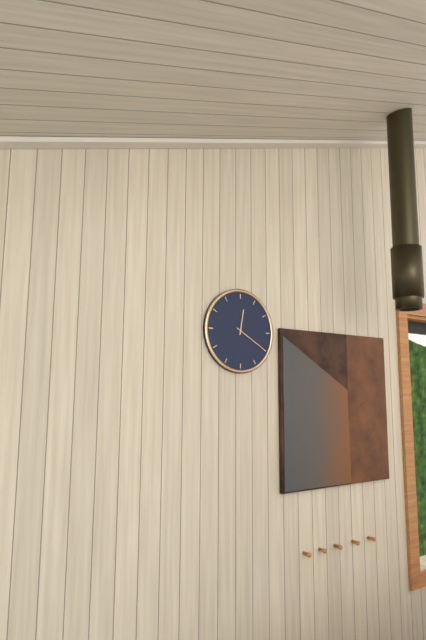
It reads 12h20
